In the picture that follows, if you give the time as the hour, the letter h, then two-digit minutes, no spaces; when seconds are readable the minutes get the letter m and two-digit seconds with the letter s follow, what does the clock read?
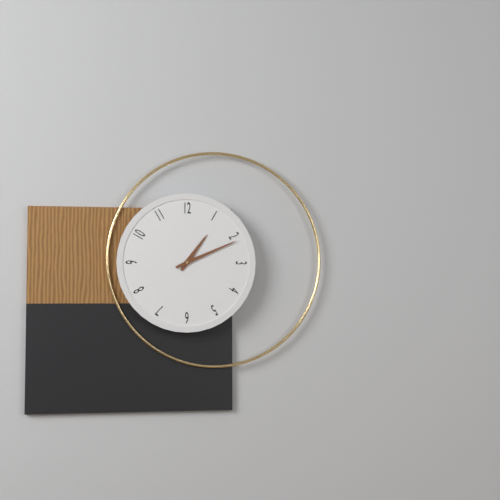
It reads 1h11
